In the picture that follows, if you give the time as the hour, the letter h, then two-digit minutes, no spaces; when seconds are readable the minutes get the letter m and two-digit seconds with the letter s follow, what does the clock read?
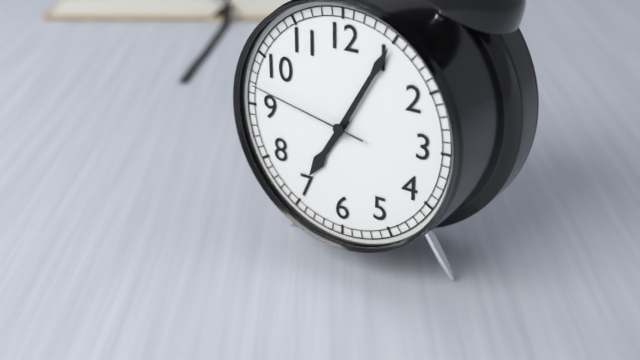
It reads 7h05m47s
